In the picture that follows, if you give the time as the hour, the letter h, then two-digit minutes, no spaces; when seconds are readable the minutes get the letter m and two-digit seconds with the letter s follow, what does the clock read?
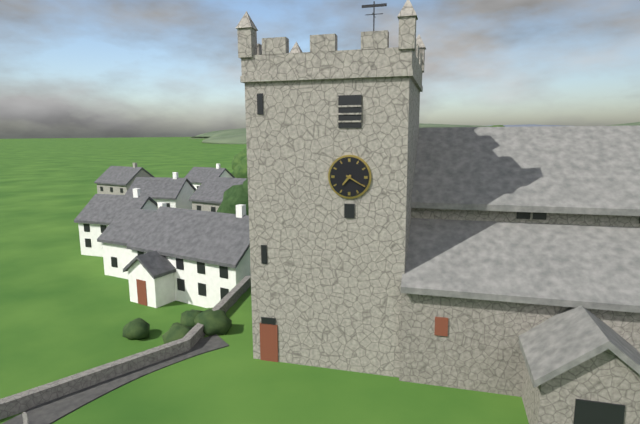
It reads 7h20
